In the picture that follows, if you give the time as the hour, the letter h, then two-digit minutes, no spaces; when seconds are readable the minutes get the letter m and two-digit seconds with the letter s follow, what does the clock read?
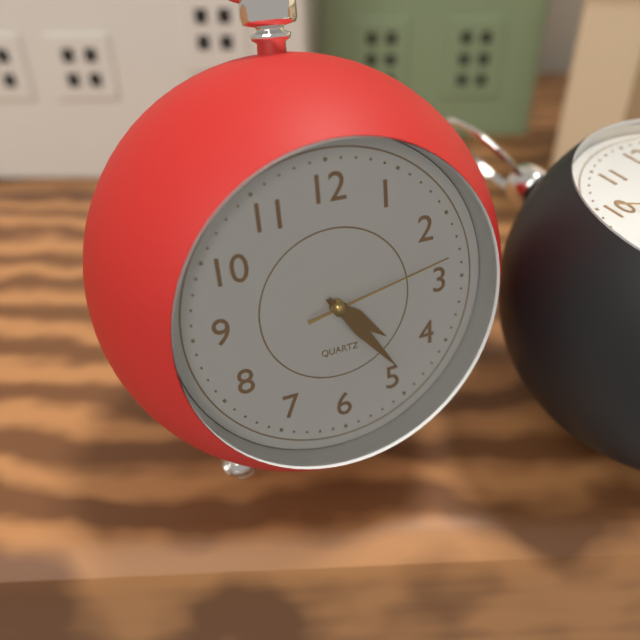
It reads 4h24m13s
